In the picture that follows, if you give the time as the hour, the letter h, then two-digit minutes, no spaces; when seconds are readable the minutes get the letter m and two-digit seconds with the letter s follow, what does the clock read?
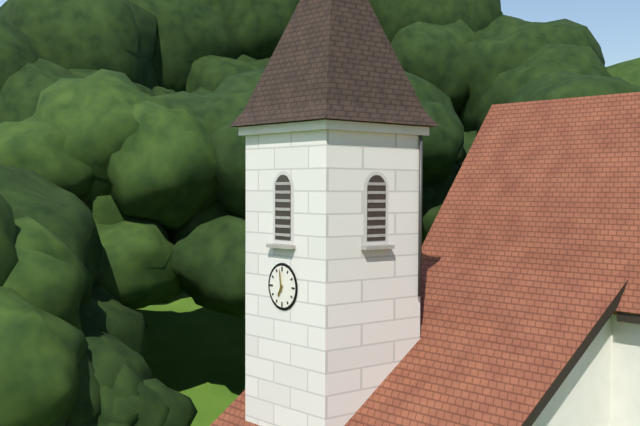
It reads 6h59
